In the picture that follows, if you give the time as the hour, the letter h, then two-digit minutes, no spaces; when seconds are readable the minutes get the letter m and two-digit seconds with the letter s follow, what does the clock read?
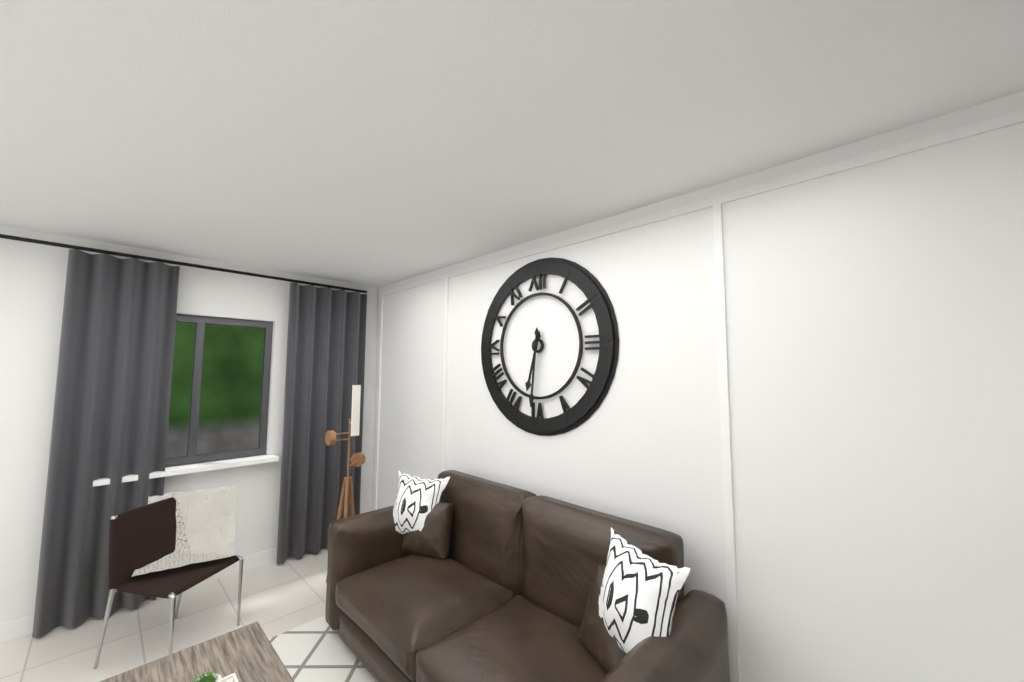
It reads 6h31
